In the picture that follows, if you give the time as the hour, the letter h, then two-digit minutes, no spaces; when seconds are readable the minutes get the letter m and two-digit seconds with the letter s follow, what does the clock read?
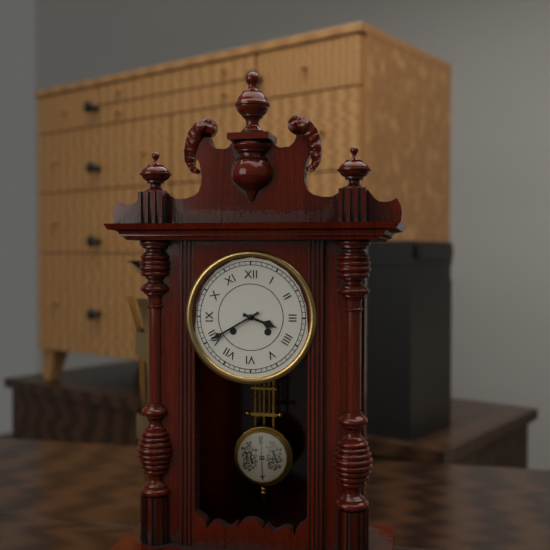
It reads 3h40
